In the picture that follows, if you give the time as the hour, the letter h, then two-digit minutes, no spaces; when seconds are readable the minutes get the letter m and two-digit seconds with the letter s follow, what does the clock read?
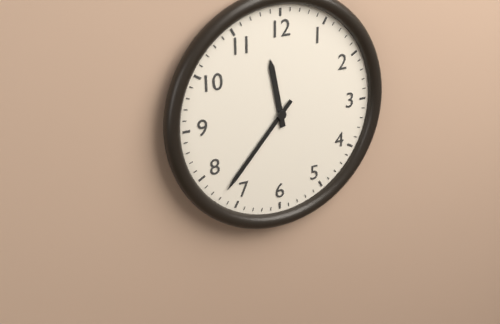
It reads 11h37
